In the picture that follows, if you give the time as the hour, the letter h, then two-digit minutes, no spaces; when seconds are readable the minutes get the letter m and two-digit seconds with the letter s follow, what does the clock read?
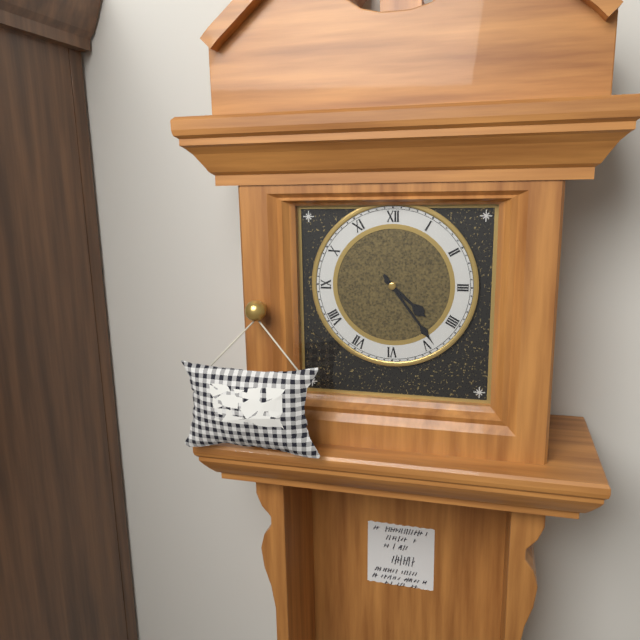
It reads 4h24
